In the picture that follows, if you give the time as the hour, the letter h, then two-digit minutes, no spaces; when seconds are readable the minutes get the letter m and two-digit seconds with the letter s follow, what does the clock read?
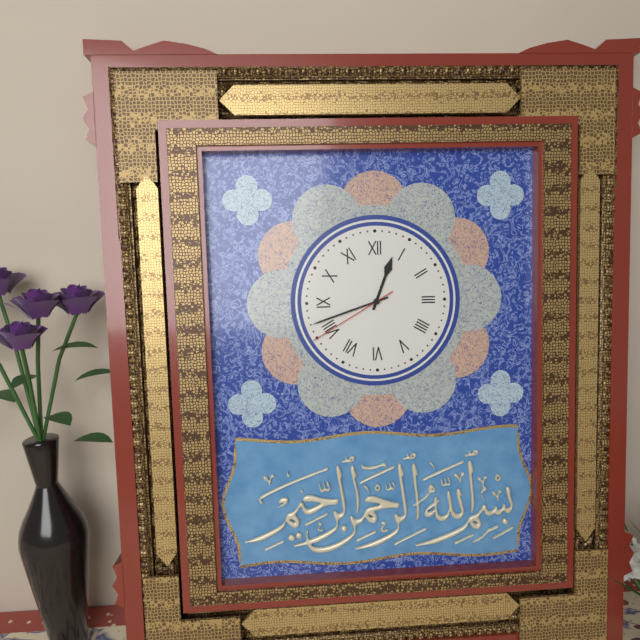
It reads 12h42m40s
